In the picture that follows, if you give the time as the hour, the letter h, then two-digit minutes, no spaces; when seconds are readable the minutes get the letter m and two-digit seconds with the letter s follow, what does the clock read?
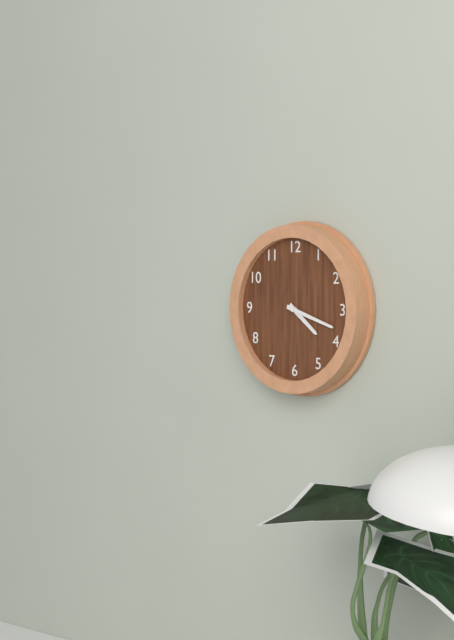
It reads 4h18
